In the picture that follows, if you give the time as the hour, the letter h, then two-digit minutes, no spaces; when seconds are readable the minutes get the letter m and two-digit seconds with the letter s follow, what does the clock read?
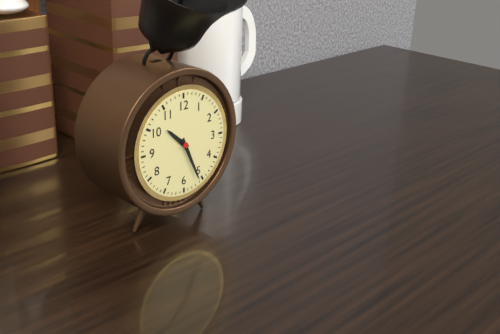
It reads 10h26
